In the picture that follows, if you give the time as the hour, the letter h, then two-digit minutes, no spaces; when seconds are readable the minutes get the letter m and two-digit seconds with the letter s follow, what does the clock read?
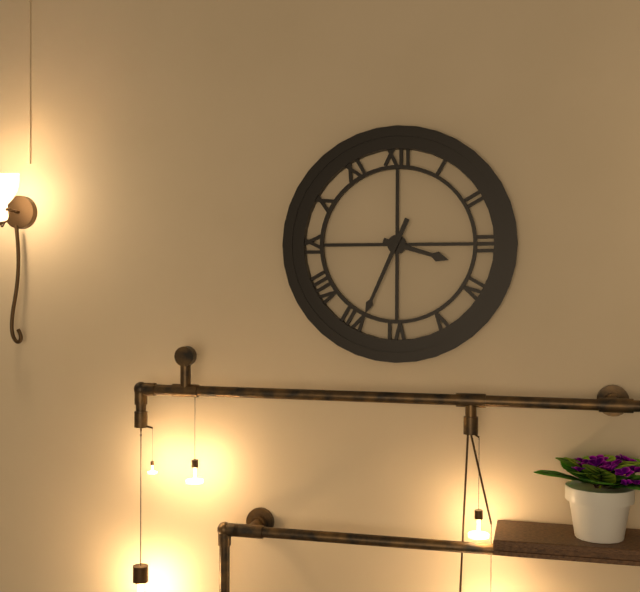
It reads 3h34
